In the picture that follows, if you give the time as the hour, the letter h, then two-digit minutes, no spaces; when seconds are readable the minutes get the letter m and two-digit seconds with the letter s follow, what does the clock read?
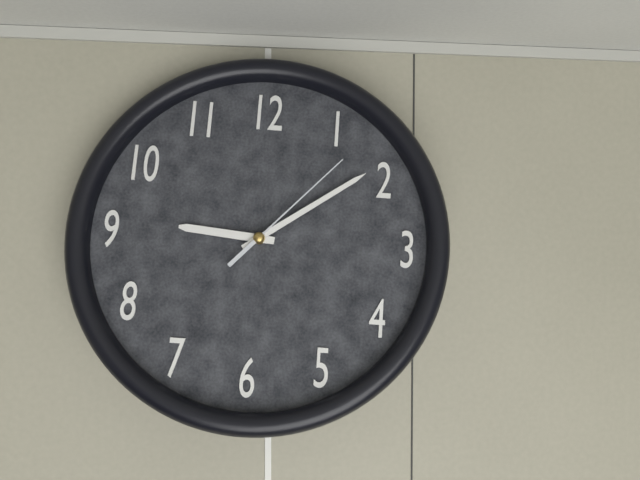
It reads 9h09m07s
